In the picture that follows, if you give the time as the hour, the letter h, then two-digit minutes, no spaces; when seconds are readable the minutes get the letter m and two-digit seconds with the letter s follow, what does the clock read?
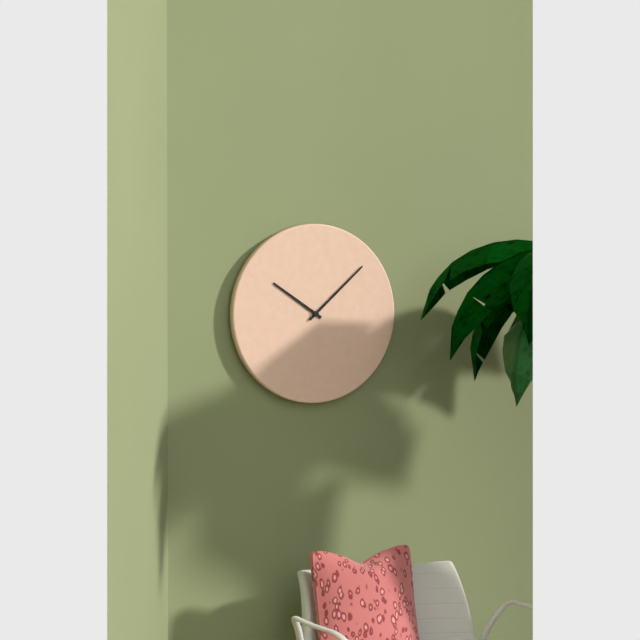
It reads 10h08
